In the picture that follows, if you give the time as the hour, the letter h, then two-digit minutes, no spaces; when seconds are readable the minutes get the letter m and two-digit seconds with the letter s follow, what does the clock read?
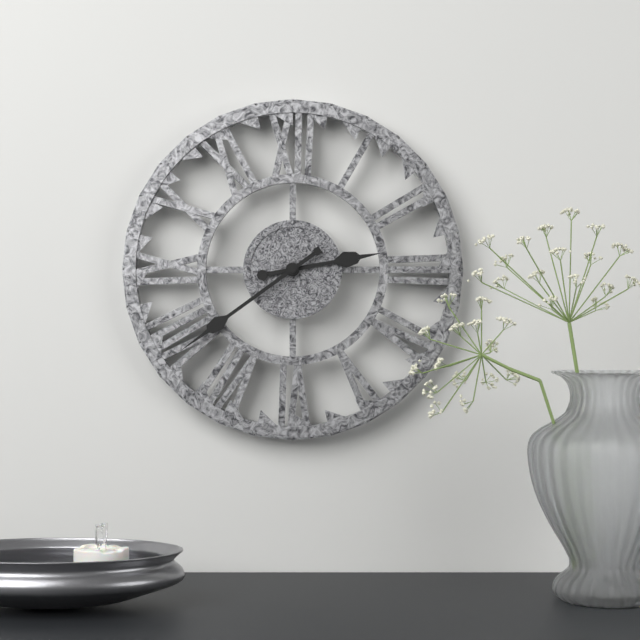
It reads 2h39
